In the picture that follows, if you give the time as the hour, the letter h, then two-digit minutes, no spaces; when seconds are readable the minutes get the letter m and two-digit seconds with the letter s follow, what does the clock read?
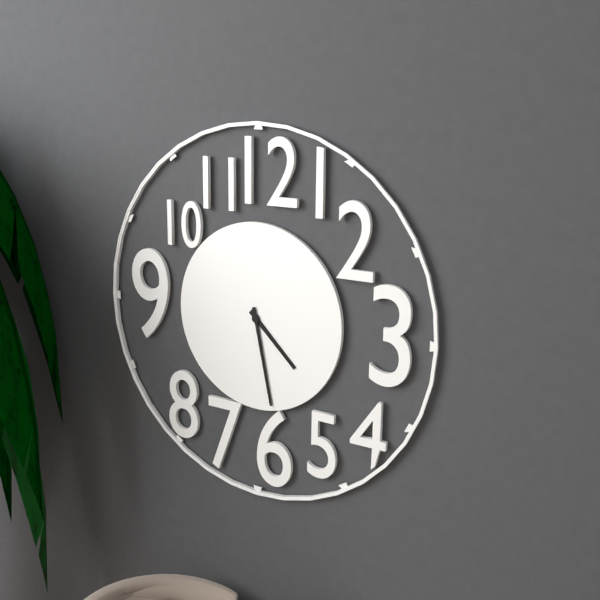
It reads 4h28
